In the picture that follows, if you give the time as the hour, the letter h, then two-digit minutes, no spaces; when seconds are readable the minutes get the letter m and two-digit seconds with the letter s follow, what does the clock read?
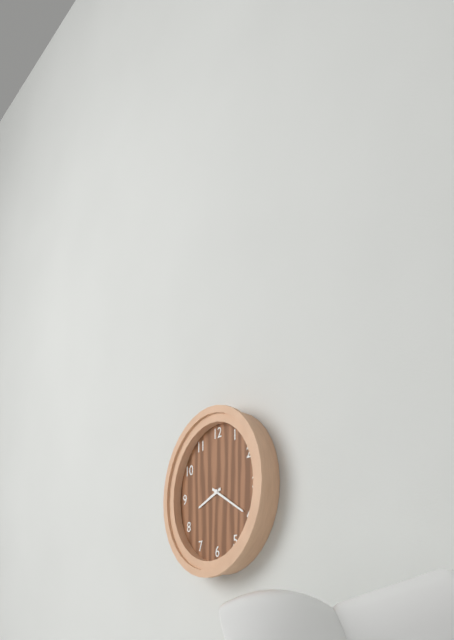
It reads 8h20
